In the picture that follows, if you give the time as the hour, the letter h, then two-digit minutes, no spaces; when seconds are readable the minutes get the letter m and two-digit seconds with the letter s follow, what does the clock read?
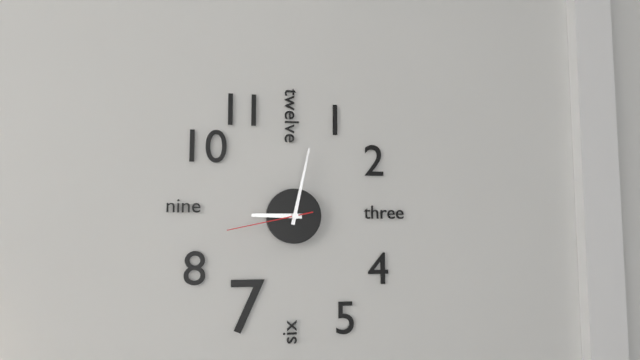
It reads 9h02m43s
